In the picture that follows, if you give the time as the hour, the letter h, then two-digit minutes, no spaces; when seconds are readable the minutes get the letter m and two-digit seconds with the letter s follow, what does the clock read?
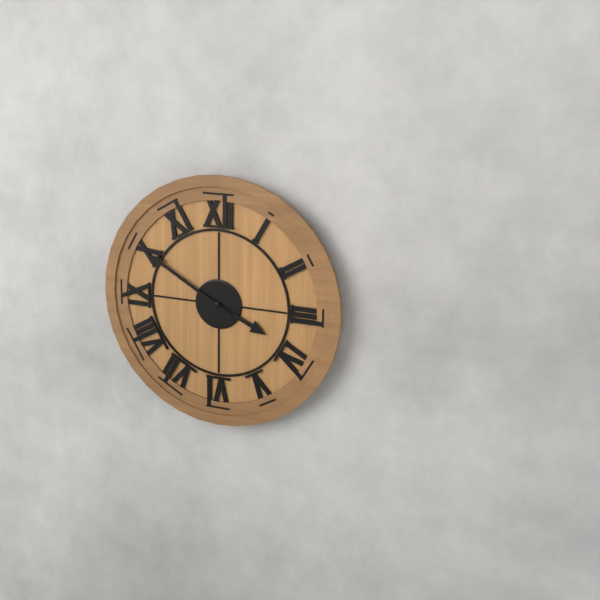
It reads 3h50
